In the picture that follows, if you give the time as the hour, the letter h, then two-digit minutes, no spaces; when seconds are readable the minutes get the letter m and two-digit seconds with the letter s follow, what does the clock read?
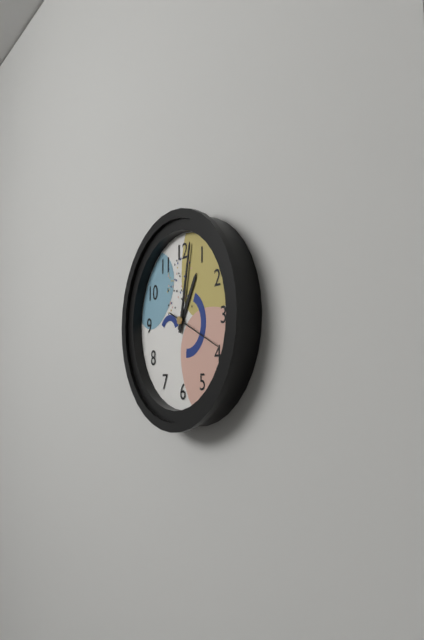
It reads 1h02m19s
